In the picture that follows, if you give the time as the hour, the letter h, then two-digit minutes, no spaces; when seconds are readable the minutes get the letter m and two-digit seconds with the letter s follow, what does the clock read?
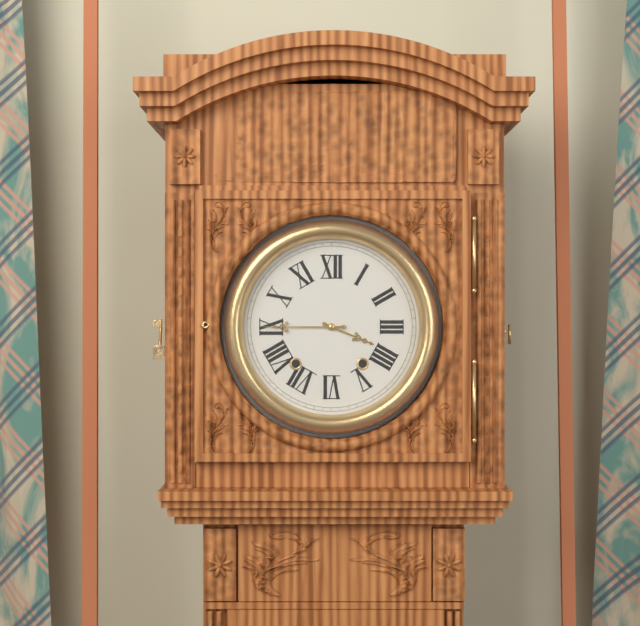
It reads 3h45
